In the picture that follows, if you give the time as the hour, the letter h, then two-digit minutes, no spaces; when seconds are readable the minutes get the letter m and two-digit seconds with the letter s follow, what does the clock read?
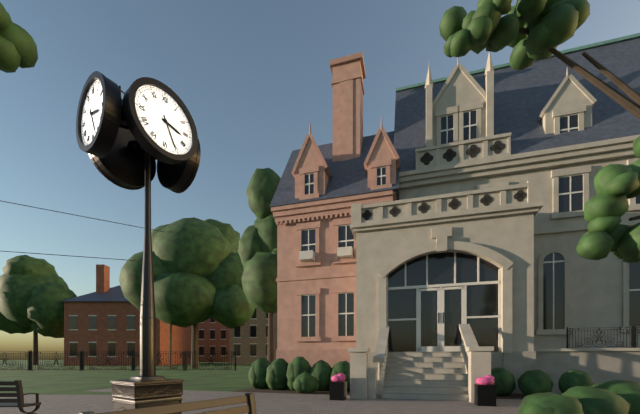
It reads 3h26
